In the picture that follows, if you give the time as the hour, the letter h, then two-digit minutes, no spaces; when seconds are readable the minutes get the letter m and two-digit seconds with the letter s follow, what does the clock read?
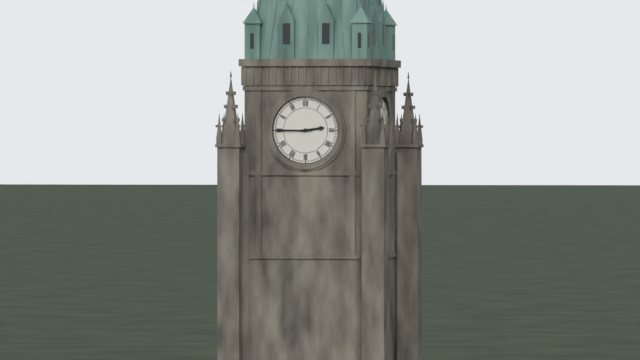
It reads 2h45
